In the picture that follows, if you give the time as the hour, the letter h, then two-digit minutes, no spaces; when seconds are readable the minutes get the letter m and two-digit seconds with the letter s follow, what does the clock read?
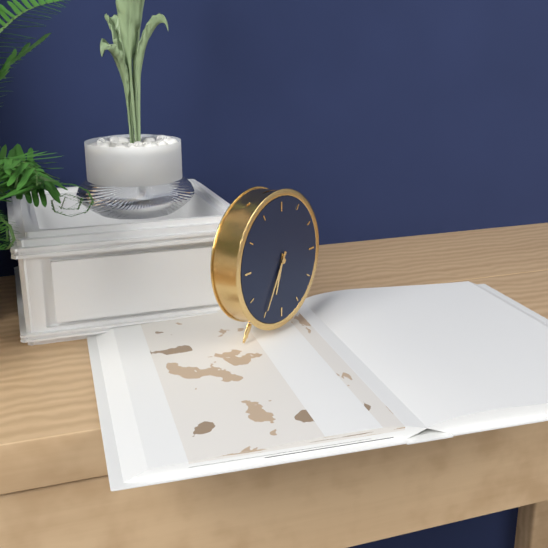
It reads 6h35
